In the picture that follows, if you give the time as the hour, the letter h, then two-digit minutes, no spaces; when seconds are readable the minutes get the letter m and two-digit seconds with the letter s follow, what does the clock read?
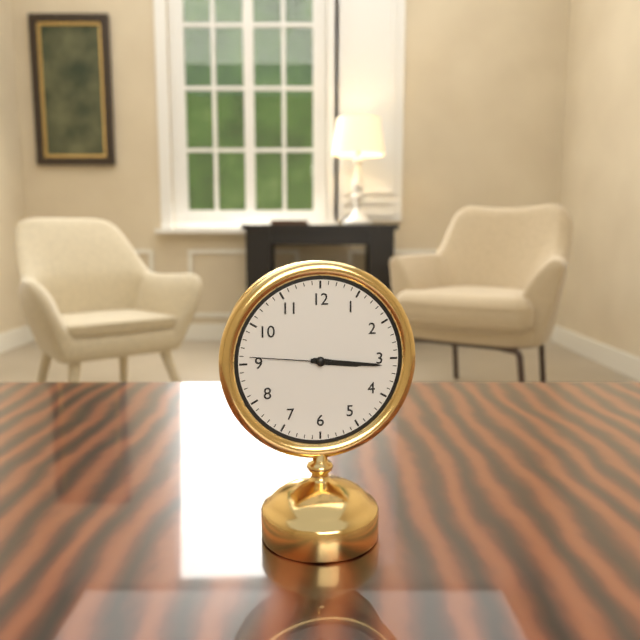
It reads 3h16m46s
